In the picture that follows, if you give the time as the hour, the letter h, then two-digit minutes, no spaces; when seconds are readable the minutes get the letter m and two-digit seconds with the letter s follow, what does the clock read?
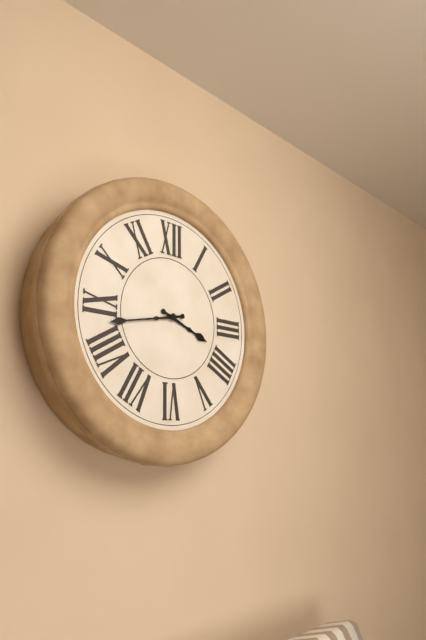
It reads 3h43
